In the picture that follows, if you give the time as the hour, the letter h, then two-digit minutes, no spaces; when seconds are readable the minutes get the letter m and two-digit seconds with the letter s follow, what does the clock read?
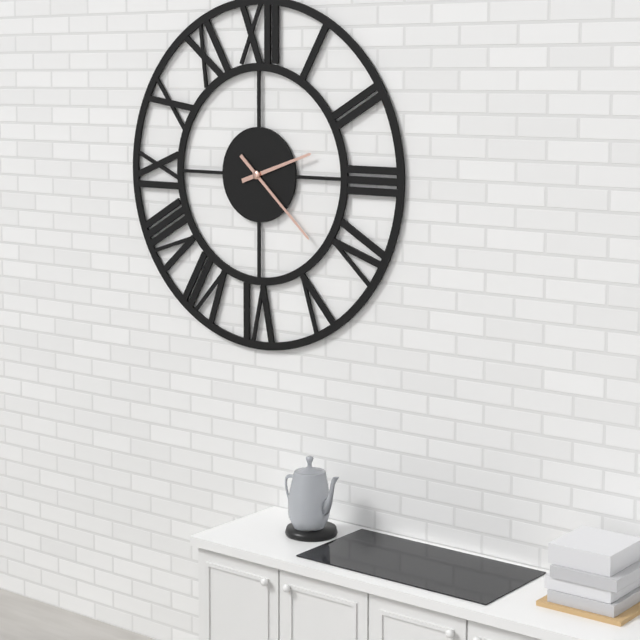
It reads 2h22
